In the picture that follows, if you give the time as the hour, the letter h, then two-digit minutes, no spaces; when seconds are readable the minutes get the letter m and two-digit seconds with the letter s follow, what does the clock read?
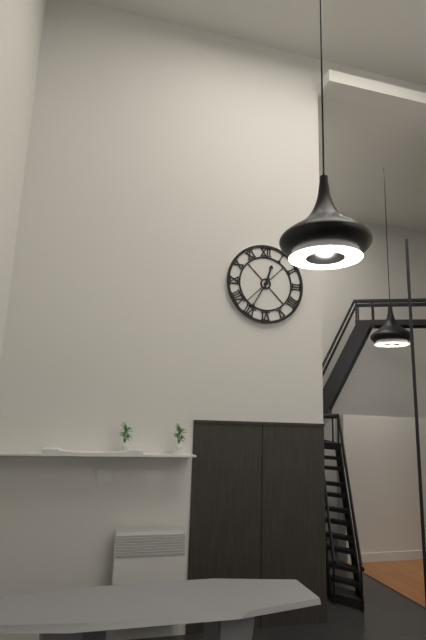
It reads 12h35
